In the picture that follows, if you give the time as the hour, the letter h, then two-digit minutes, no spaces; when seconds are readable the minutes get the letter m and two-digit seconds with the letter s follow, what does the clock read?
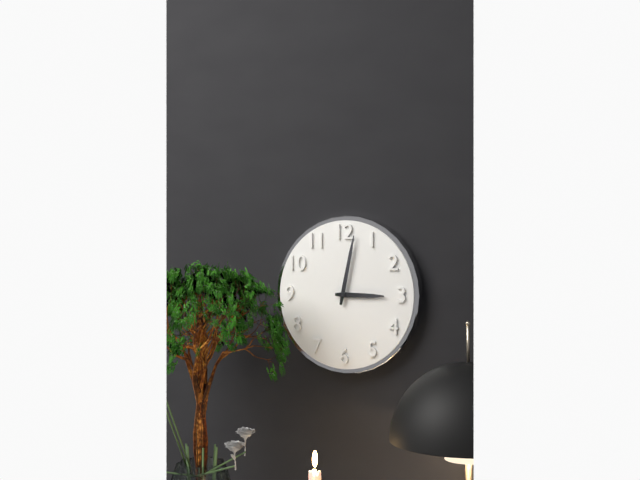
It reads 3h02
